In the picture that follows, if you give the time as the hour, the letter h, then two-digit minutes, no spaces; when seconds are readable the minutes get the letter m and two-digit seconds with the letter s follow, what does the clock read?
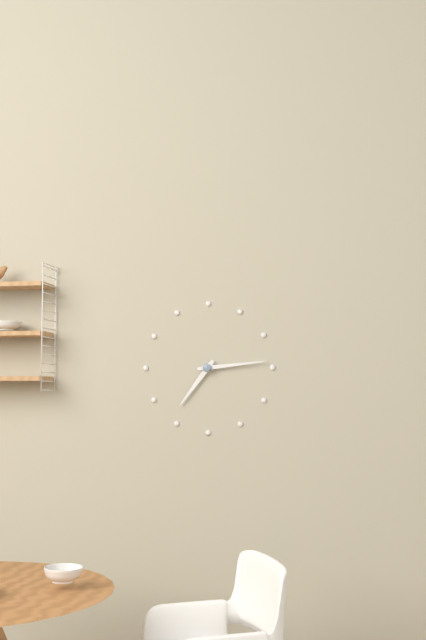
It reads 7h14
